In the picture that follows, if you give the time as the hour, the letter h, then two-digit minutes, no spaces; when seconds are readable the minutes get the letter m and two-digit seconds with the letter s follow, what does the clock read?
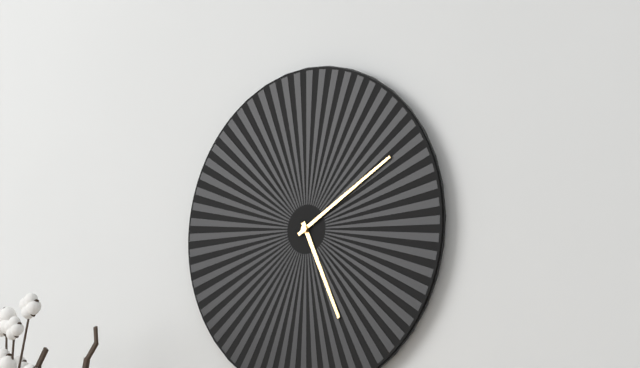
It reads 5h10
